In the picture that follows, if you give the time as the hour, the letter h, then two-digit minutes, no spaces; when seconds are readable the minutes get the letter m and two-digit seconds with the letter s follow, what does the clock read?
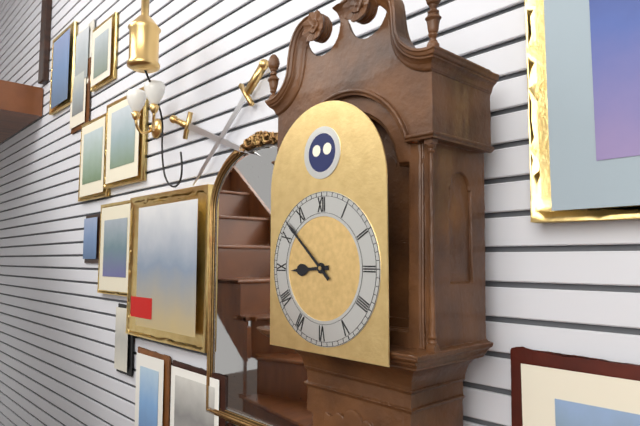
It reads 8h52
